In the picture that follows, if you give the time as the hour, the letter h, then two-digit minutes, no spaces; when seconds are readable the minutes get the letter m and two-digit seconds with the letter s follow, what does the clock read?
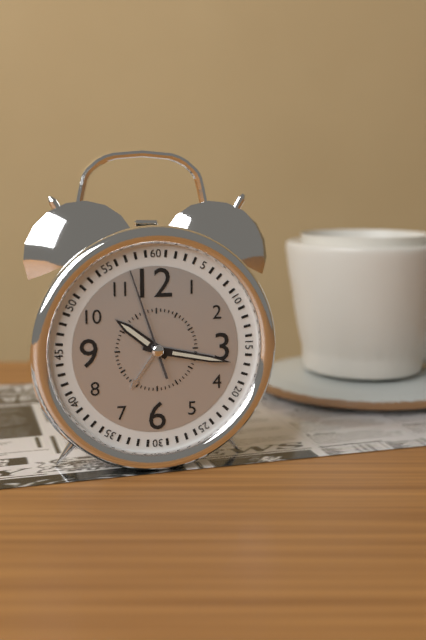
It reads 10h17m57s
